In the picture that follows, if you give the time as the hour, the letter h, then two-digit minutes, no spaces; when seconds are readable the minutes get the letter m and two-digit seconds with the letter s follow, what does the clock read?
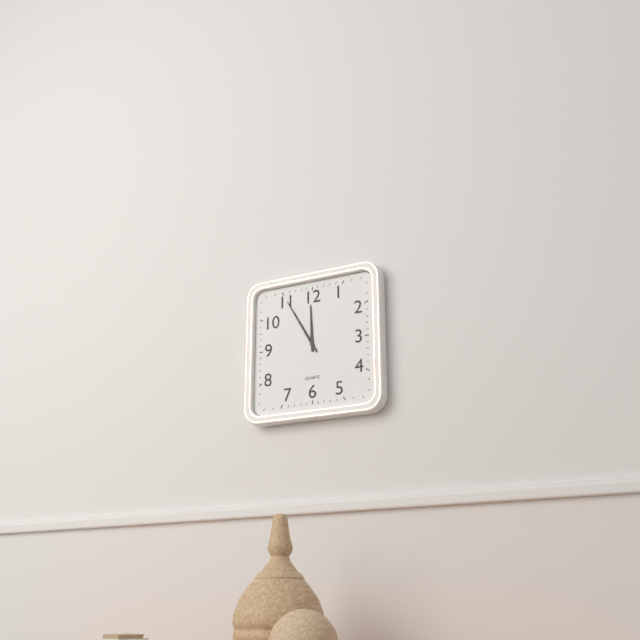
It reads 11h55
